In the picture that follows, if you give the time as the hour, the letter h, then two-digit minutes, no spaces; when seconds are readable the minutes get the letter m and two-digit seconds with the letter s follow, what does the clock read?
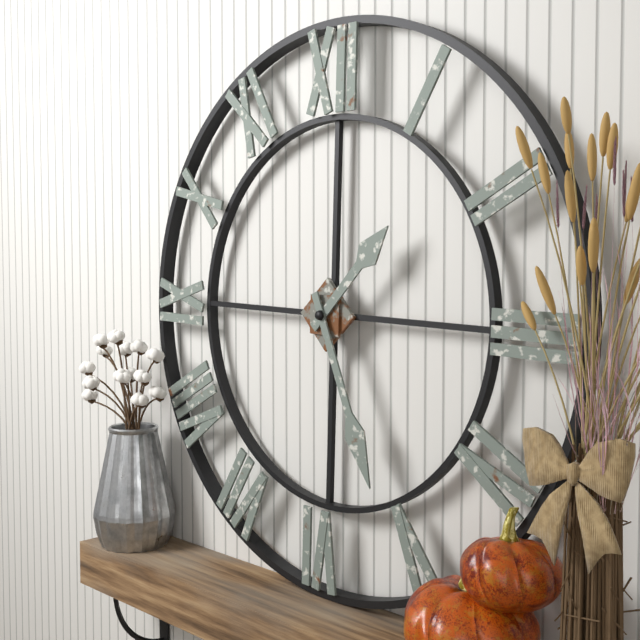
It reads 1h26
